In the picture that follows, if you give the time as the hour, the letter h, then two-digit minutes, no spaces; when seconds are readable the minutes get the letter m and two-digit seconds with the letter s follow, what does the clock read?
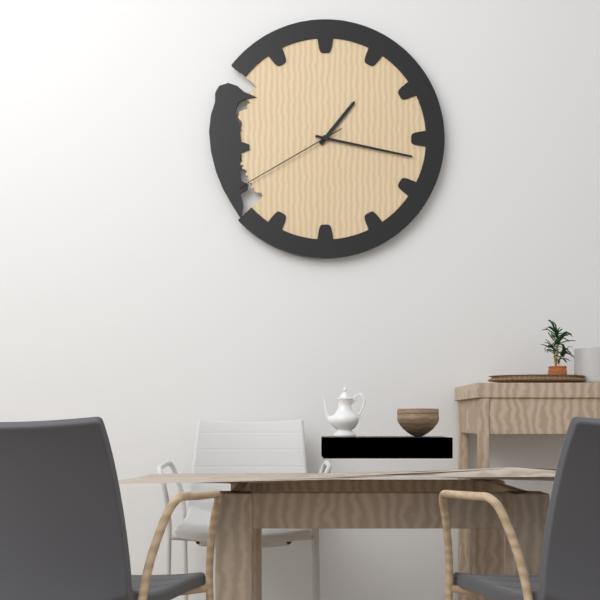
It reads 1h17m40s
